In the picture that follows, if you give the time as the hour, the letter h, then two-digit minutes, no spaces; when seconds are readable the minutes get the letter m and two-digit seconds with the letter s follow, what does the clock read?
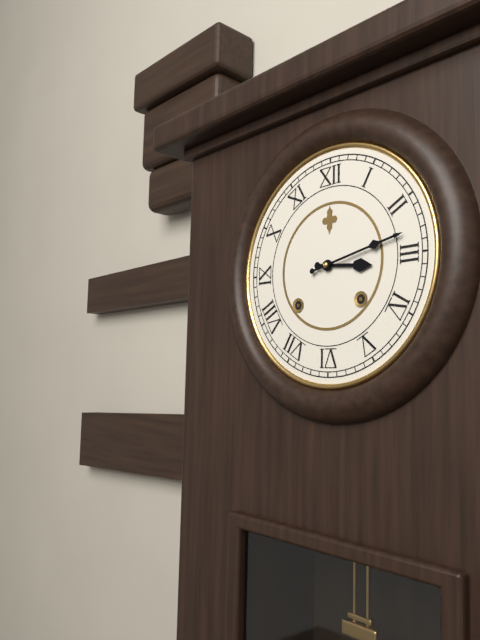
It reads 3h13
